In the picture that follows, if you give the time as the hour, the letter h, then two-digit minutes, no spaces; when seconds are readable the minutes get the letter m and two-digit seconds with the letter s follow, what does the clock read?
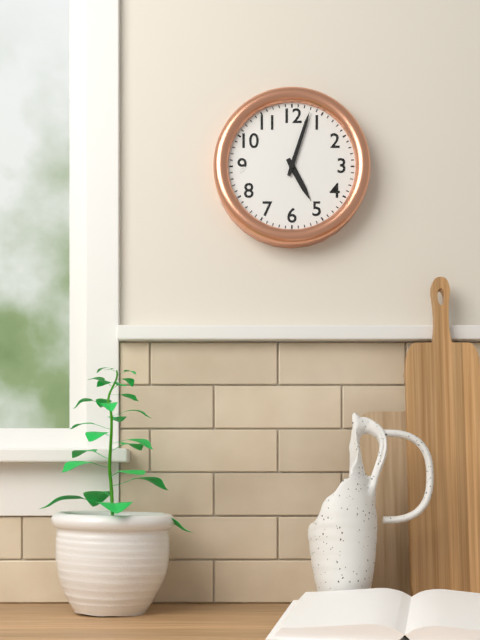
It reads 5h03
